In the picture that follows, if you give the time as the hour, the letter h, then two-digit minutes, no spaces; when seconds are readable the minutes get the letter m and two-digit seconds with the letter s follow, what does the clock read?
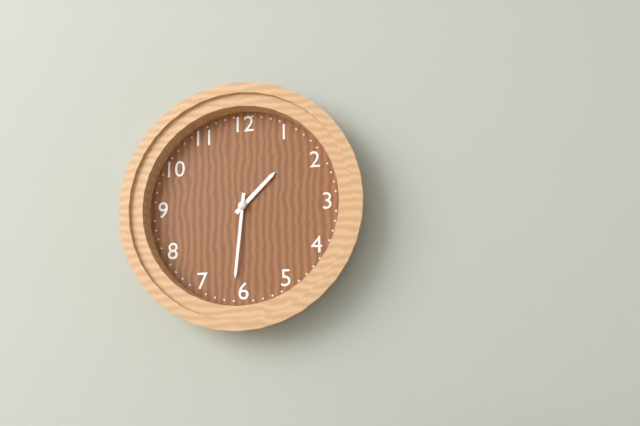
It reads 1h31
